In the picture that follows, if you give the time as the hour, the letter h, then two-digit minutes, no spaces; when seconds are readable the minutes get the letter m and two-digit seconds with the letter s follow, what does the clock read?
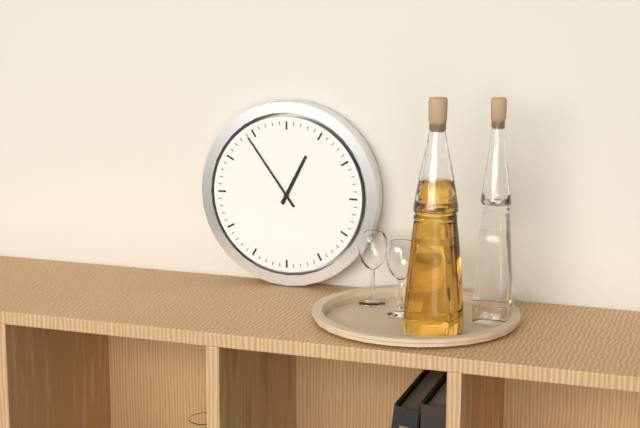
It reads 12h54
